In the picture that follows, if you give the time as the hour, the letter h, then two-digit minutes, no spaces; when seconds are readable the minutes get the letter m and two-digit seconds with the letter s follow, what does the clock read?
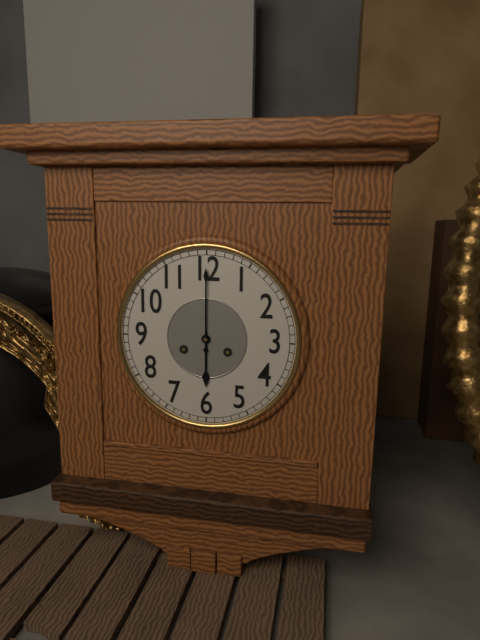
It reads 6h00
